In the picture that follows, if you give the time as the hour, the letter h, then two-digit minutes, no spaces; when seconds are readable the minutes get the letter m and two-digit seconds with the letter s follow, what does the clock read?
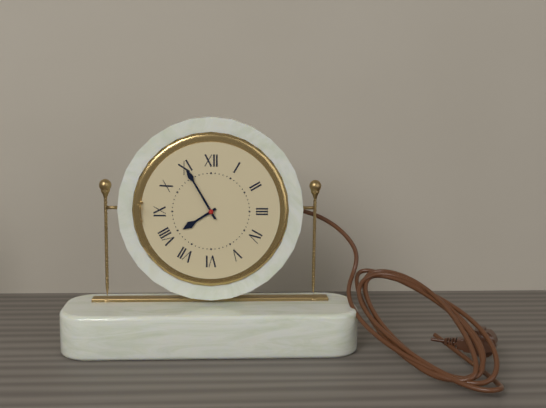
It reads 7h55
